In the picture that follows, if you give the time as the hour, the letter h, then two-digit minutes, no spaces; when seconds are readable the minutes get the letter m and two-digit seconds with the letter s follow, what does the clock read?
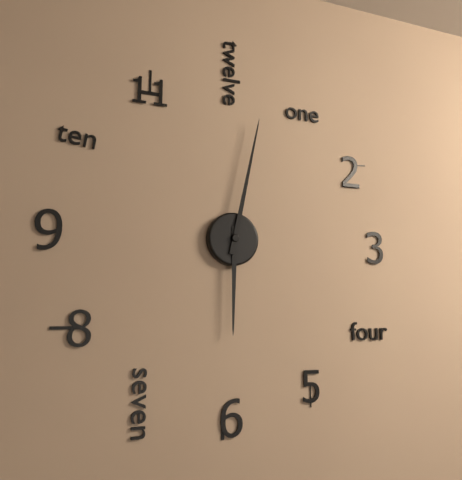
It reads 6h02
